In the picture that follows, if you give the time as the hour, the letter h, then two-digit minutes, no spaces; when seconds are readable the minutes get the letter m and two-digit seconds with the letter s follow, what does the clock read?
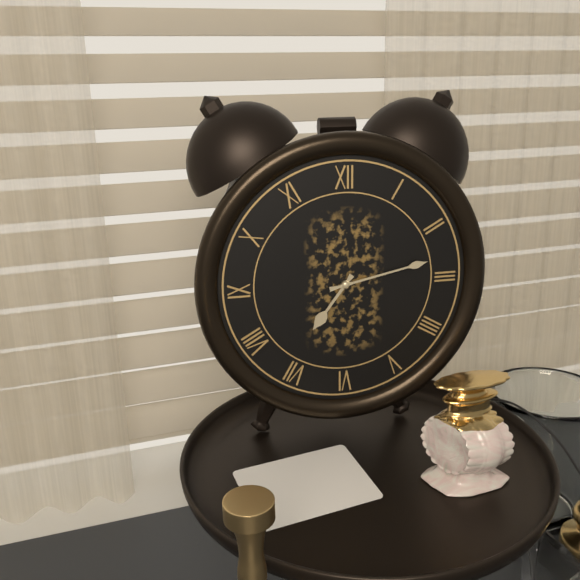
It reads 7h13
